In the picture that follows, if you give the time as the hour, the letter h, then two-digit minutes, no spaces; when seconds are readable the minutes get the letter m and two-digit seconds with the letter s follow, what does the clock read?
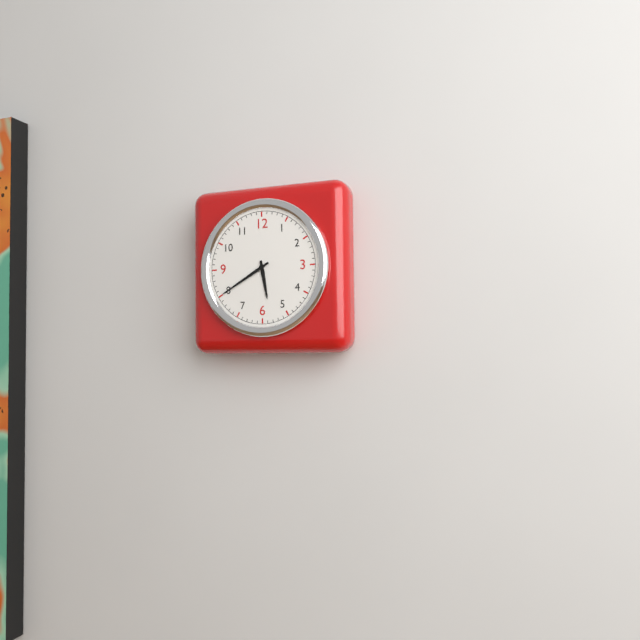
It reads 5h40
